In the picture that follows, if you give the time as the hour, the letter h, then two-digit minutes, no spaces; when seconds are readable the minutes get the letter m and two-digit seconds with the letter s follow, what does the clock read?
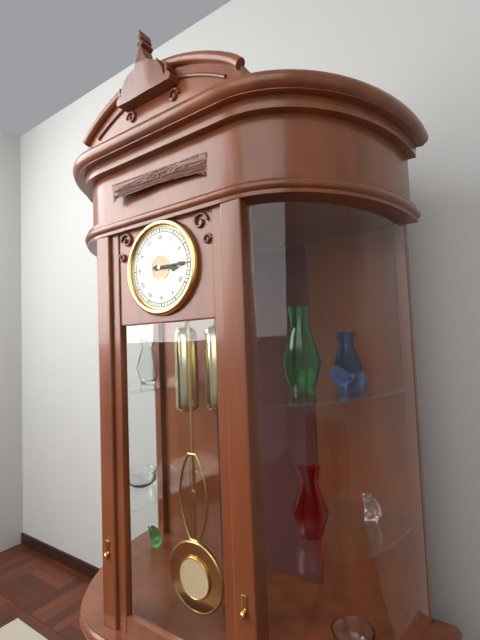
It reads 3h15
